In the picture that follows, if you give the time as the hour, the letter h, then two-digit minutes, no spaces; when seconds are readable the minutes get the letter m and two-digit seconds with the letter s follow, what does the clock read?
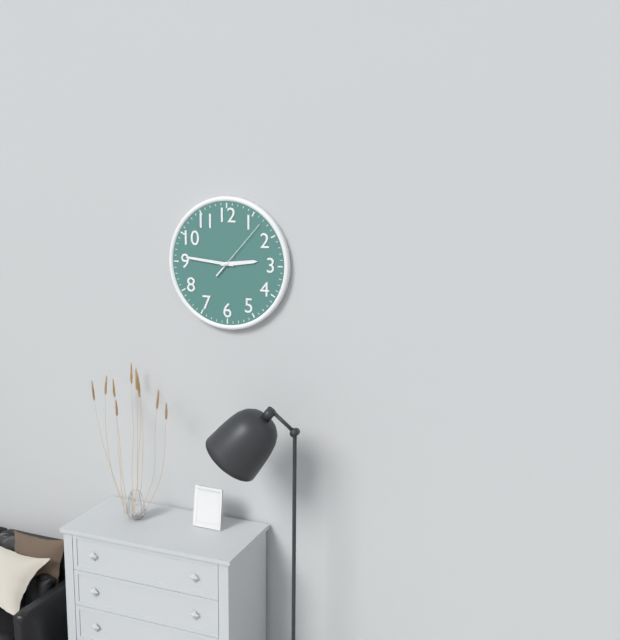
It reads 2h46m07s
